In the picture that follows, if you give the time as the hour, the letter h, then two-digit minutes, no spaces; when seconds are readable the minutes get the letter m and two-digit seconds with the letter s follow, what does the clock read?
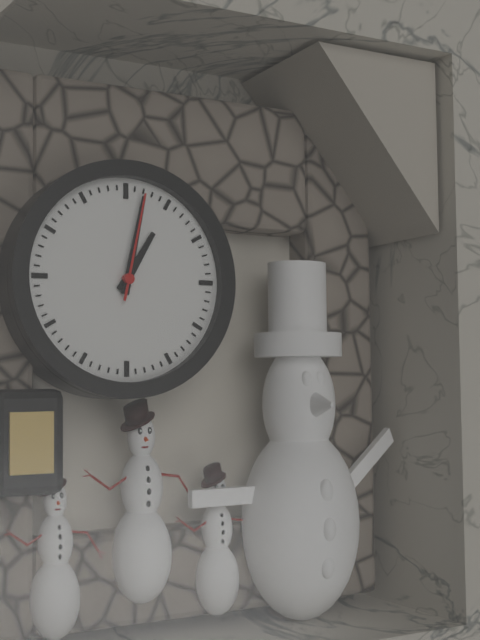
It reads 1h02m02s
